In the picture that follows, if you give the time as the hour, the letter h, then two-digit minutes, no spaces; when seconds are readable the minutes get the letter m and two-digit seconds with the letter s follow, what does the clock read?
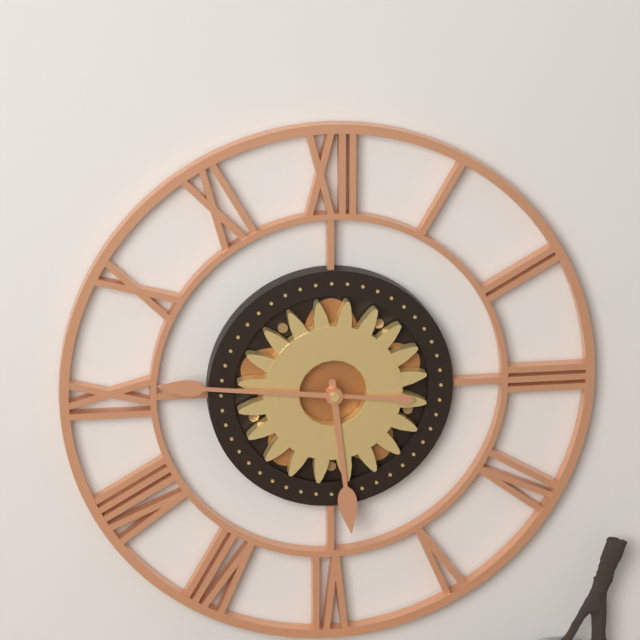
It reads 5h46
